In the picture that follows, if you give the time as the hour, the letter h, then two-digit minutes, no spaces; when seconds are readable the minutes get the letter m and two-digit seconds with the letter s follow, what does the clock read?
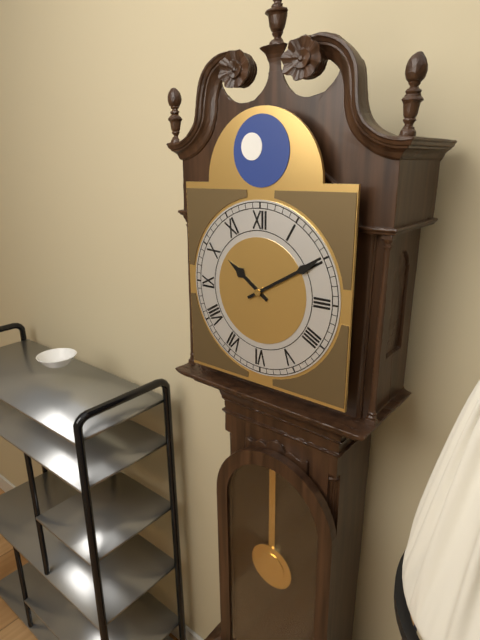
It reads 10h10
